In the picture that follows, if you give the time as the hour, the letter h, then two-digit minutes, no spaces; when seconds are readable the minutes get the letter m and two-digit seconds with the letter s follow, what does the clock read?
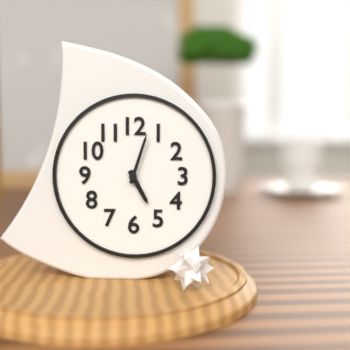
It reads 5h03
